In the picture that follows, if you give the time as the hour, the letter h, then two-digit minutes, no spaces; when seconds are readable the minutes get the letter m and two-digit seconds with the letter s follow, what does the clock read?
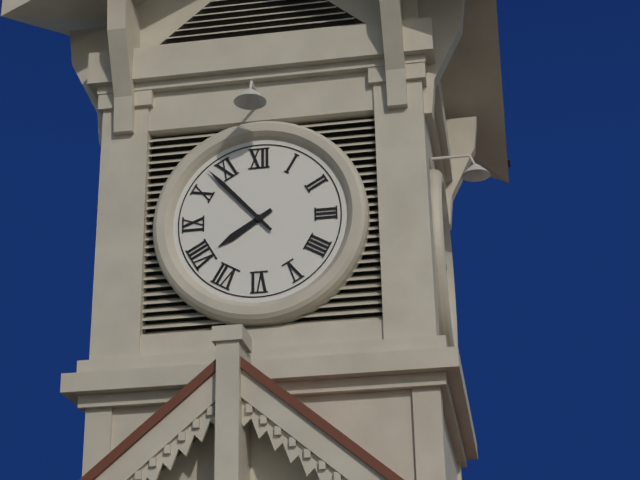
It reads 7h53
